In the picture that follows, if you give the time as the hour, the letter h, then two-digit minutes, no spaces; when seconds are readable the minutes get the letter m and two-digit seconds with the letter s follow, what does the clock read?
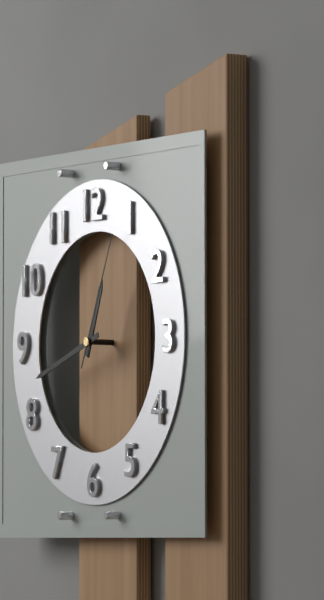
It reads 12h42m04s
